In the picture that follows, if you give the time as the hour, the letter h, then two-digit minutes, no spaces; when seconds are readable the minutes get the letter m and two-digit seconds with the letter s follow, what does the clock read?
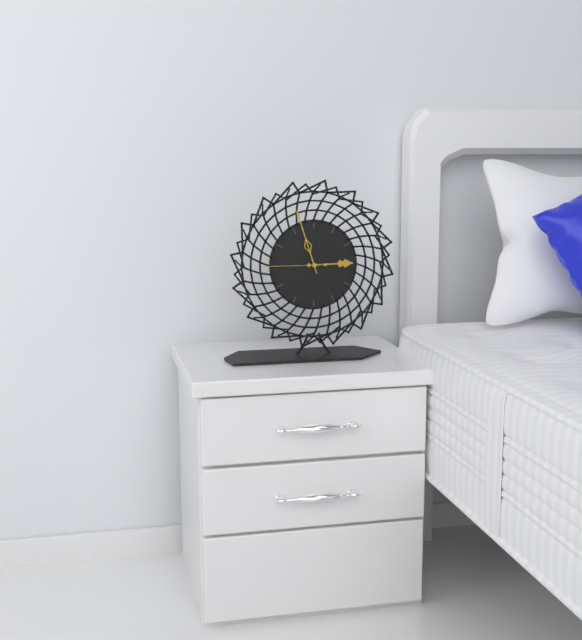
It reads 2h57m45s
